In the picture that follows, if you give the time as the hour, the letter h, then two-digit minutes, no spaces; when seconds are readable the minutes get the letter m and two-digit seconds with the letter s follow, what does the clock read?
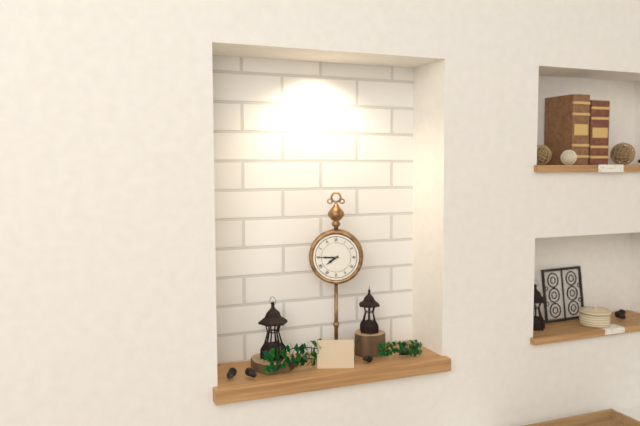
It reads 7h45
